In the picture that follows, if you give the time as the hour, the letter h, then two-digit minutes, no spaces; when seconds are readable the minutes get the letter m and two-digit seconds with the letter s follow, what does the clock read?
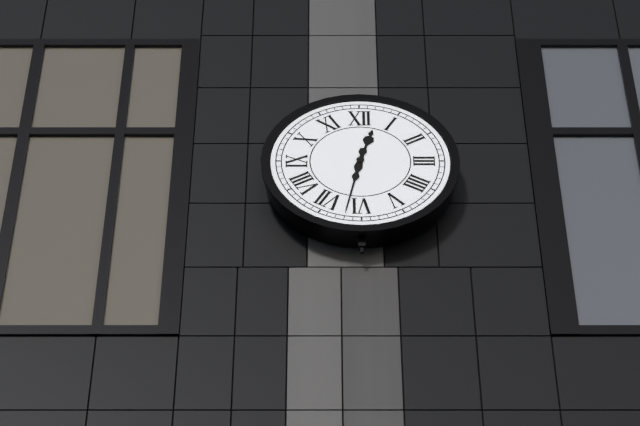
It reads 12h32
